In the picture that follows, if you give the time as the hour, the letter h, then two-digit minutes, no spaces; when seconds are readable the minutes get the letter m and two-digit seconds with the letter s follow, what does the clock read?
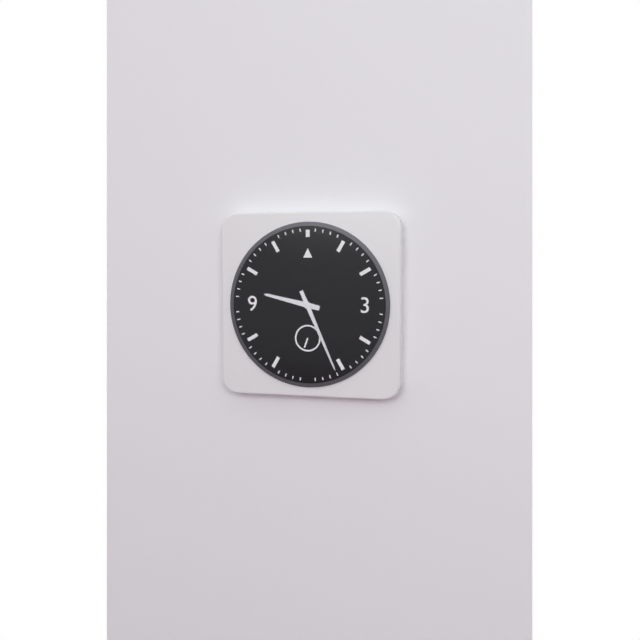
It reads 9h26
